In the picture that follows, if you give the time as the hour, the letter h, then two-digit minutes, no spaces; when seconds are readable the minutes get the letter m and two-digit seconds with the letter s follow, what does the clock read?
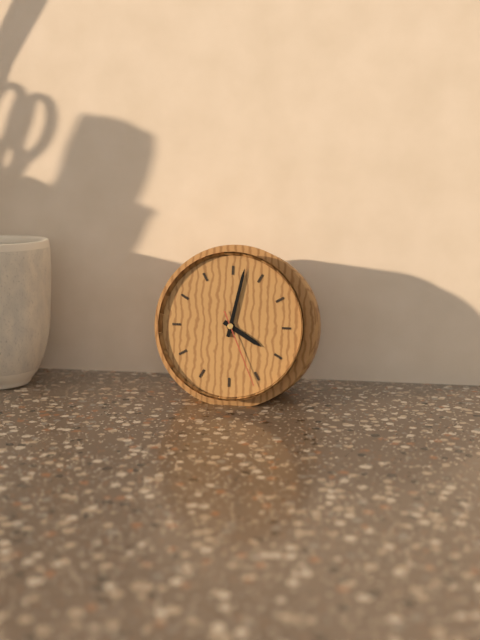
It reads 4h02m26s
